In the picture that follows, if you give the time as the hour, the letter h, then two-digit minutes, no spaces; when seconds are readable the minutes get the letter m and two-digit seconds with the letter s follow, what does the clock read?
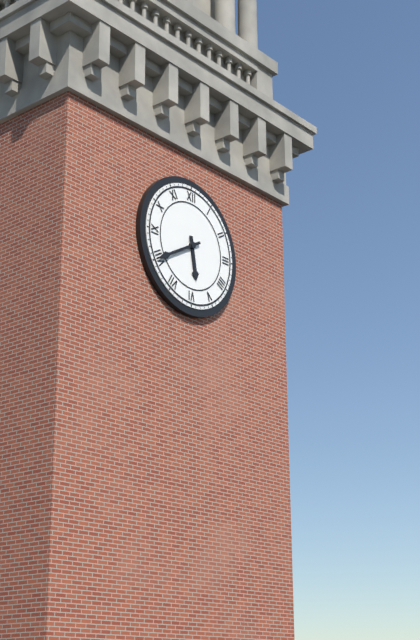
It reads 5h40
